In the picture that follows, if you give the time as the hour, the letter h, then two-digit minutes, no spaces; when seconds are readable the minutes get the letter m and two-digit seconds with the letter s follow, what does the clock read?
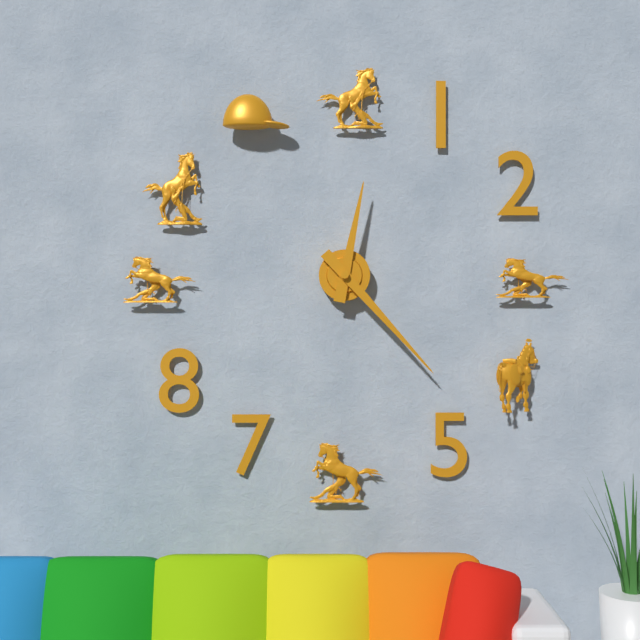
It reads 12h23
